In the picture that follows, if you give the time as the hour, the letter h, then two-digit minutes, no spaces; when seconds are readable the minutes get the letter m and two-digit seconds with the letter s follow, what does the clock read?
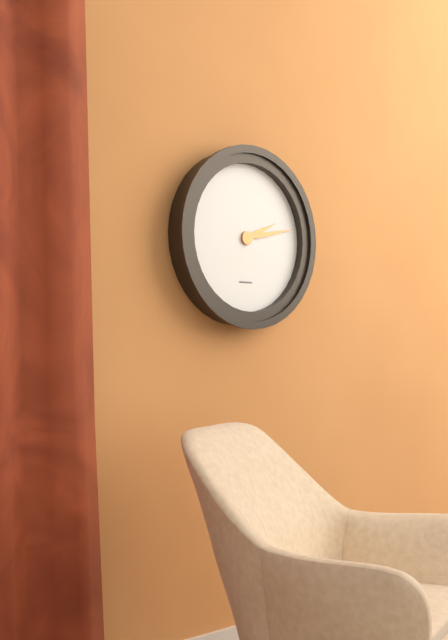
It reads 2h13
